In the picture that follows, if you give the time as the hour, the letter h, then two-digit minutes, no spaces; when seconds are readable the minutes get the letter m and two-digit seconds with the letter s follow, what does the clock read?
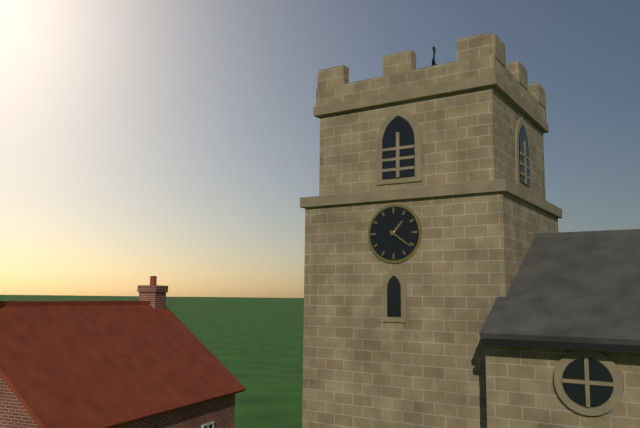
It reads 1h21
